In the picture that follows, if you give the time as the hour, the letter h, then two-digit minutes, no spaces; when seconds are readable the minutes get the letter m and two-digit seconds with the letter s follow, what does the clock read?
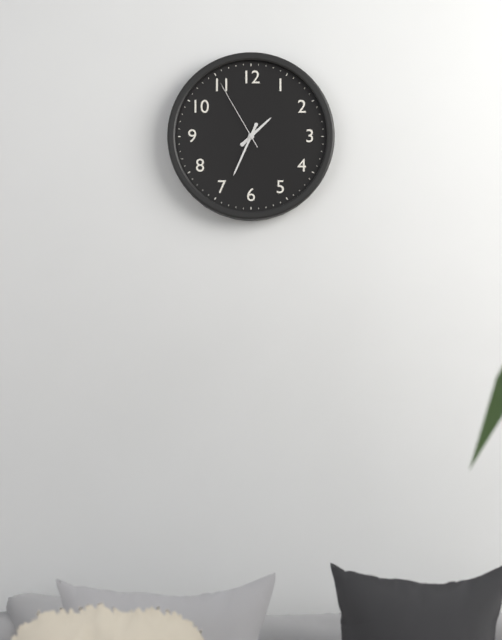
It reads 1h34m55s
